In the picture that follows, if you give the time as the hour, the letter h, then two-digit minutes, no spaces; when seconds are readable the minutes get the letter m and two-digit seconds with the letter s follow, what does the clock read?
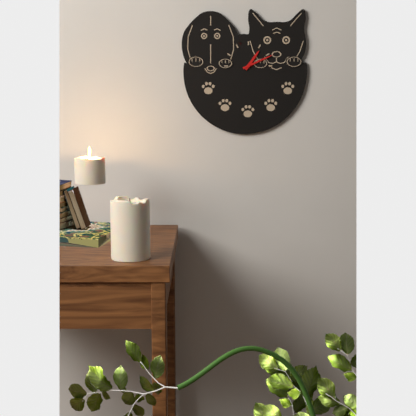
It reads 1h11
